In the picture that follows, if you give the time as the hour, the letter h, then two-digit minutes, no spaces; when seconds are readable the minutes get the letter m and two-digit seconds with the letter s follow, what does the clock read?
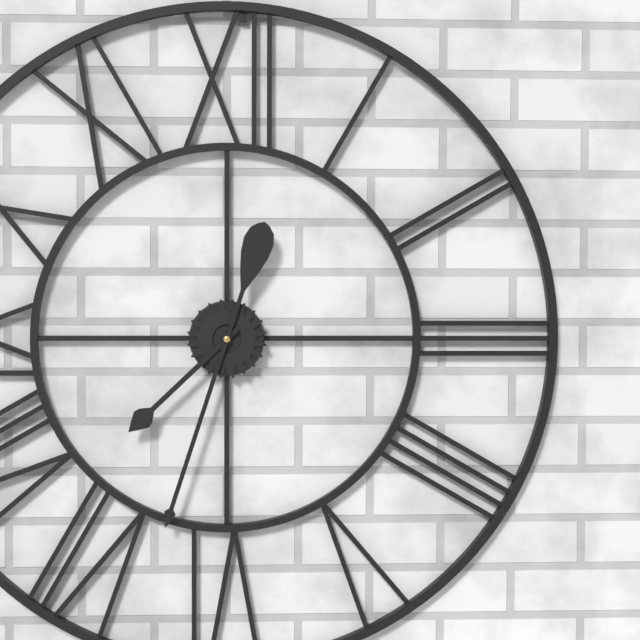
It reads 7h33
